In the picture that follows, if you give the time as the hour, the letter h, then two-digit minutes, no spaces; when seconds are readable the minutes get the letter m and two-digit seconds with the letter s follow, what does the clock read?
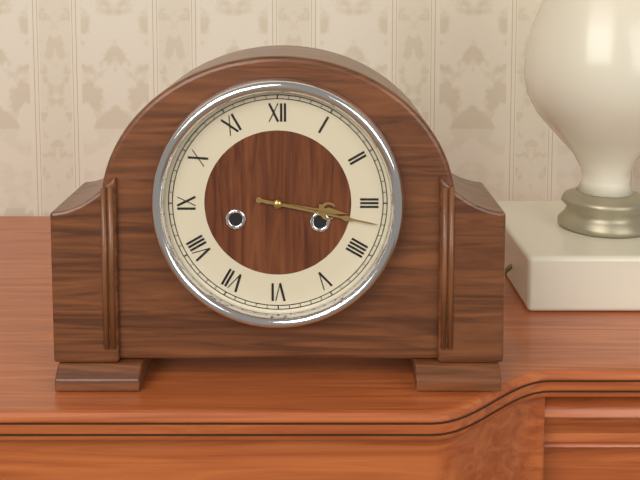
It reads 3h17
